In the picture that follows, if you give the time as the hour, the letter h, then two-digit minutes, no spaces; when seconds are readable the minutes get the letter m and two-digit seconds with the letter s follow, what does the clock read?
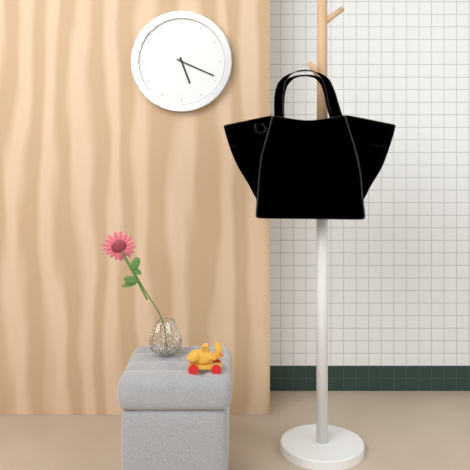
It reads 5h19
